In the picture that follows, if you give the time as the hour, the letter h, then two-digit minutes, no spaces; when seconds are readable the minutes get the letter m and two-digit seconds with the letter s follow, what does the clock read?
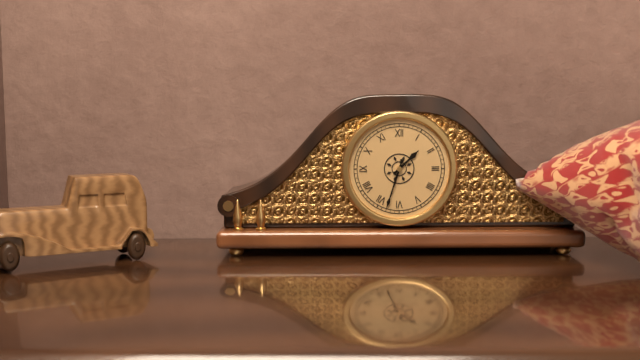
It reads 1h33
